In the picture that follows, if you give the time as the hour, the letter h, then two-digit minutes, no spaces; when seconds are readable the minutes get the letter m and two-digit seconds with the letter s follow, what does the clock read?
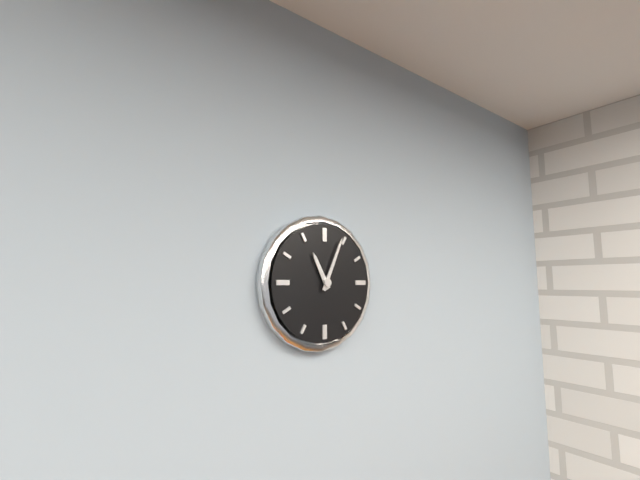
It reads 11h04
